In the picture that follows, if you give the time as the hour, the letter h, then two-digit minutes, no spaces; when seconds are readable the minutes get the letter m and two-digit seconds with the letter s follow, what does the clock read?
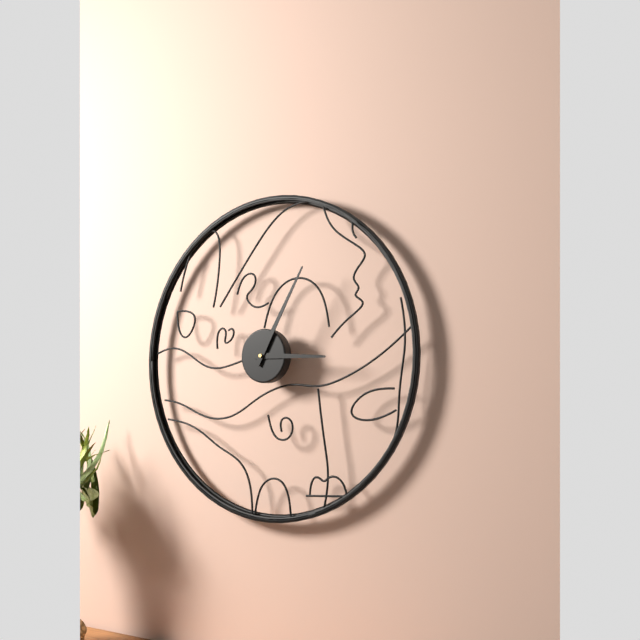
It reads 3h05
